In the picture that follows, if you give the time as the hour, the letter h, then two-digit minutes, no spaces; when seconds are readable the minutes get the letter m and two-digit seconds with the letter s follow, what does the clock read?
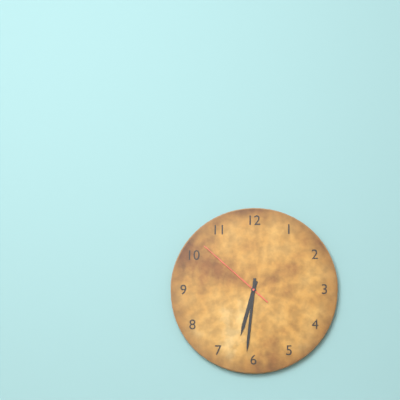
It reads 6h31m52s
